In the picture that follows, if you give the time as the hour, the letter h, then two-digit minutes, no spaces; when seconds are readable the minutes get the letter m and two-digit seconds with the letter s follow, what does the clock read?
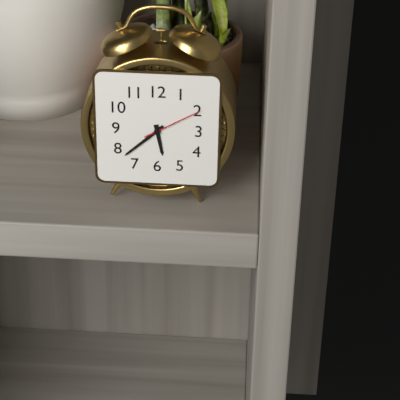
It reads 5h38m10s
